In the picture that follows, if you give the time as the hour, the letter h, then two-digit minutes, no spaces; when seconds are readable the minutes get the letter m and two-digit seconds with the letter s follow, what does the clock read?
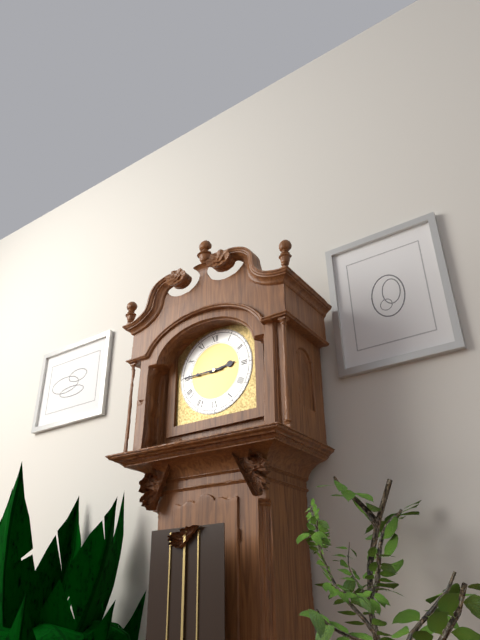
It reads 2h45
